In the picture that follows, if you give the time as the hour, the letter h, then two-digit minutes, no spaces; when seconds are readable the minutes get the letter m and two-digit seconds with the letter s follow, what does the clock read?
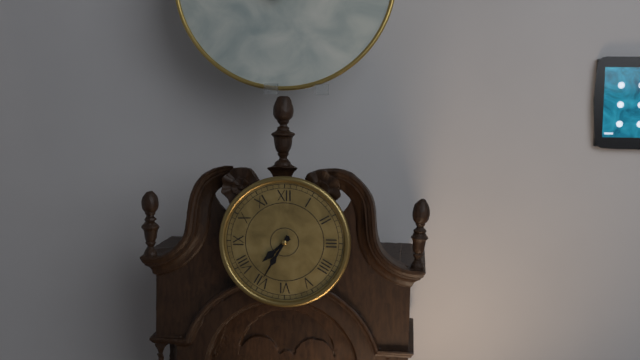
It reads 7h35
